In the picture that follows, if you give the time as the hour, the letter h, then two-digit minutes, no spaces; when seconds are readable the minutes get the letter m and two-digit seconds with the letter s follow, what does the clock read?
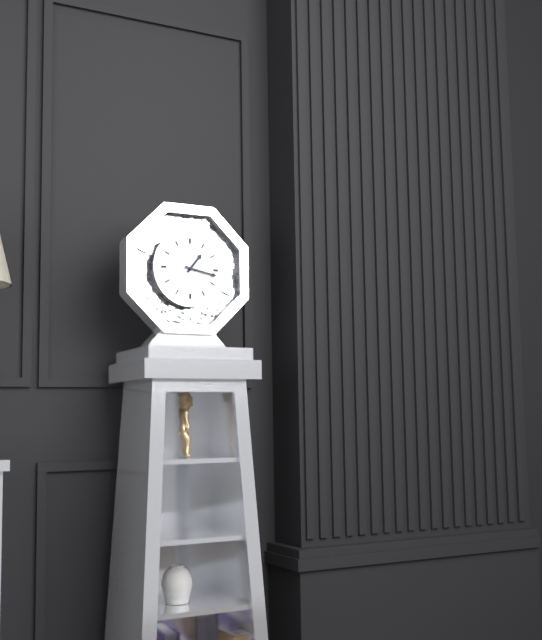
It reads 1h17
